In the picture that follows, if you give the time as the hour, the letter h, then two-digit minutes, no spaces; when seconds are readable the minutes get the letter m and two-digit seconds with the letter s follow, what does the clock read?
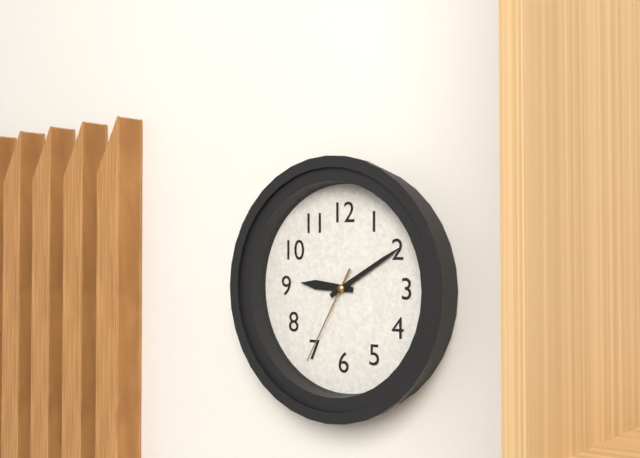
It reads 9h10m35s
